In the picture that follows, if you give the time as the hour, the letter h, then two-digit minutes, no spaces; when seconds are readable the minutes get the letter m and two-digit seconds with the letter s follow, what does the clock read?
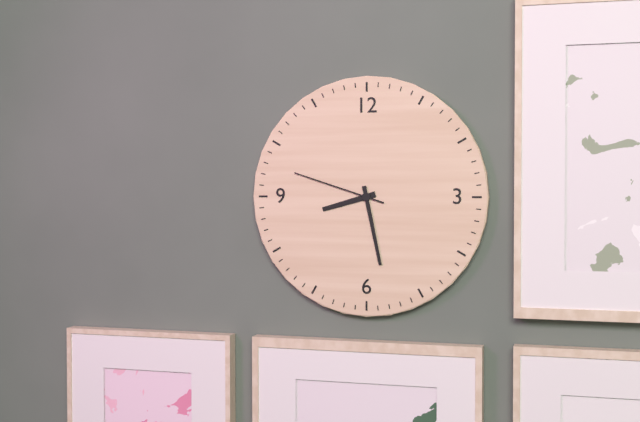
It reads 8h28m48s
